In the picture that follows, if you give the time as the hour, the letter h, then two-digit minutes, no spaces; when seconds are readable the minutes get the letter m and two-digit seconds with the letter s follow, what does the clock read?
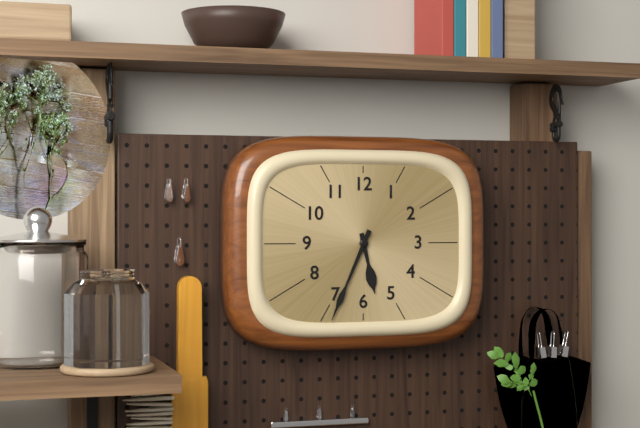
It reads 5h34
